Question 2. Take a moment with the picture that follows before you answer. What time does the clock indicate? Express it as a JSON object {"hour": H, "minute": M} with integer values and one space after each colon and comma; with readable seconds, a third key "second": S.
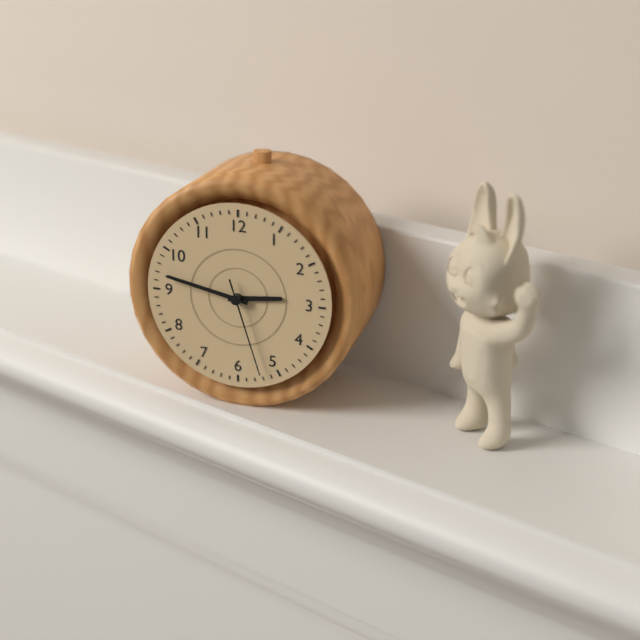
{"hour": 2, "minute": 47, "second": 27}
